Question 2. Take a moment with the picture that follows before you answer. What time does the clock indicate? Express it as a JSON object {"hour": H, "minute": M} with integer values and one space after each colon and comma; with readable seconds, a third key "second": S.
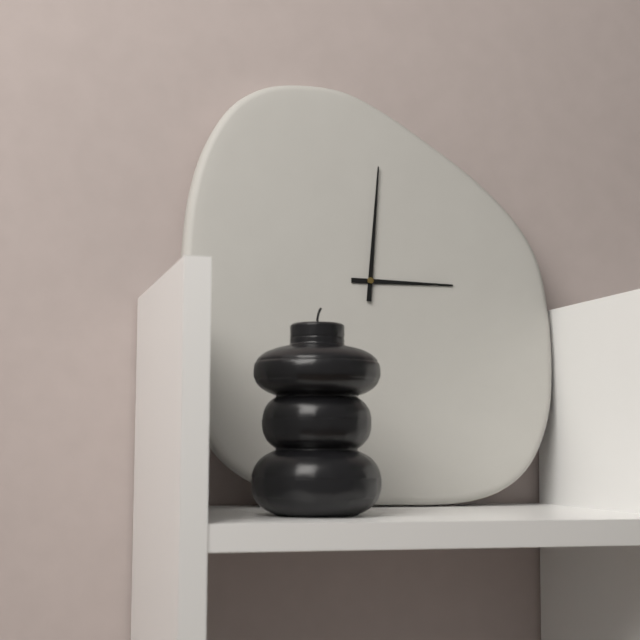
{"hour": 3, "minute": 1}
